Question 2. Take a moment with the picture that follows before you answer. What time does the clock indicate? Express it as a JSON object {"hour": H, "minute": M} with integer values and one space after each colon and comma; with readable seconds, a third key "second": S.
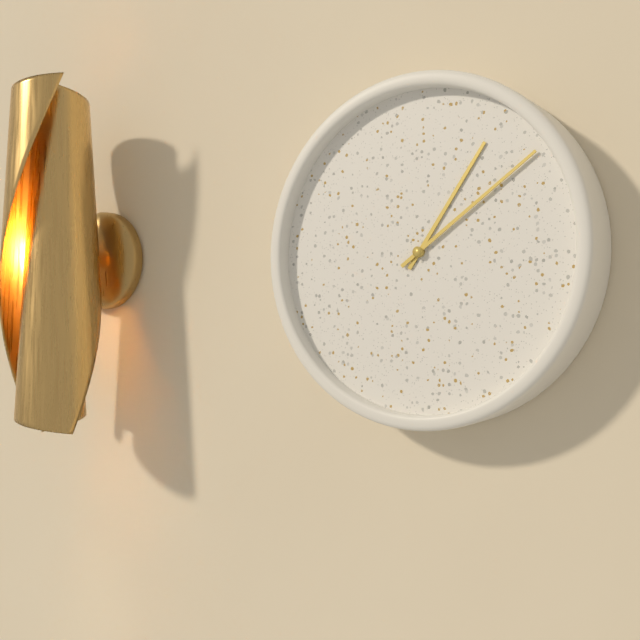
{"hour": 1, "minute": 9}
